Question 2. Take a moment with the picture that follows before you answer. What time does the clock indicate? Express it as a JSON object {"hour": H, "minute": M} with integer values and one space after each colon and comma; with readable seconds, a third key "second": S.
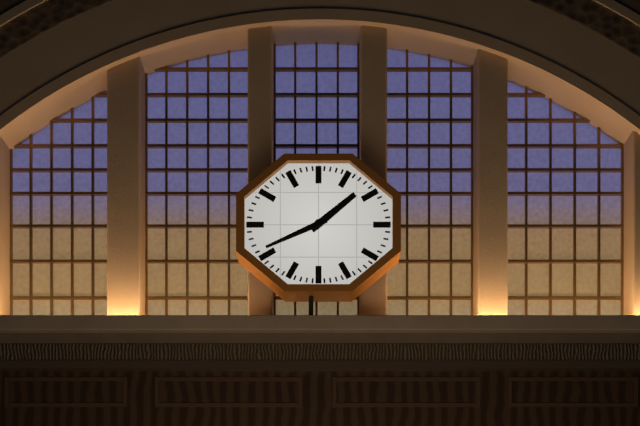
{"hour": 1, "minute": 41}
